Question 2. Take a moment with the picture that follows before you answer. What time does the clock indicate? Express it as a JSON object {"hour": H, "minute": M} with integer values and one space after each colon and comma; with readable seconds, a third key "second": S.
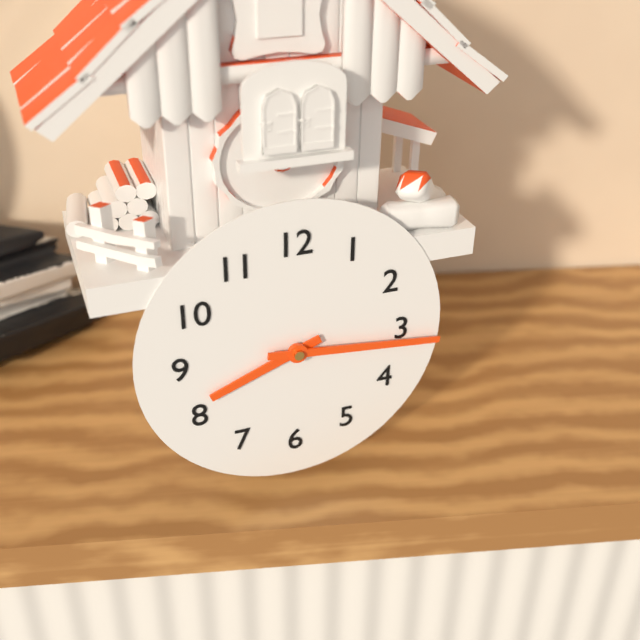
{"hour": 8, "minute": 16}
